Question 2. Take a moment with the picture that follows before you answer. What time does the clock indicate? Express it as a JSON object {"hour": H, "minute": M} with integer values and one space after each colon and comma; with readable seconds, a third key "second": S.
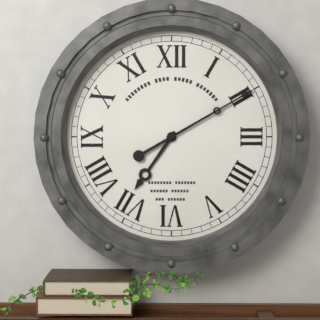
{"hour": 7, "minute": 10}
